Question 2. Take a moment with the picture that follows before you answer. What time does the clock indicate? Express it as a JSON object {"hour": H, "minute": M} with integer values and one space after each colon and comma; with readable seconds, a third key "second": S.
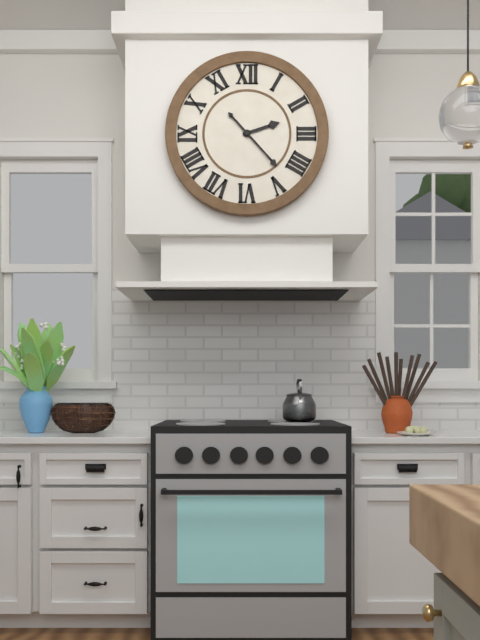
{"hour": 2, "minute": 23}
